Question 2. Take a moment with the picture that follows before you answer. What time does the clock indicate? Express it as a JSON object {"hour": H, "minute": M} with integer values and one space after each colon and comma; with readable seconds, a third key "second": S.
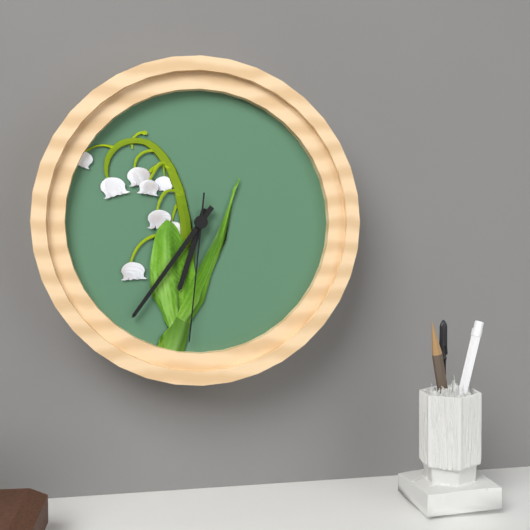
{"hour": 6, "minute": 36, "second": 31}
